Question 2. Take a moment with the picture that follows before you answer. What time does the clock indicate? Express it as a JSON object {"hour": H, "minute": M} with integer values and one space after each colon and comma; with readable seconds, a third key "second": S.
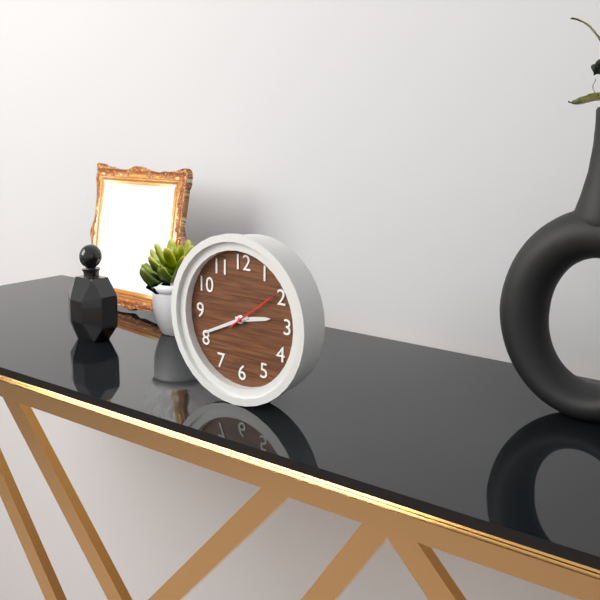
{"hour": 2, "minute": 41, "second": 9}
